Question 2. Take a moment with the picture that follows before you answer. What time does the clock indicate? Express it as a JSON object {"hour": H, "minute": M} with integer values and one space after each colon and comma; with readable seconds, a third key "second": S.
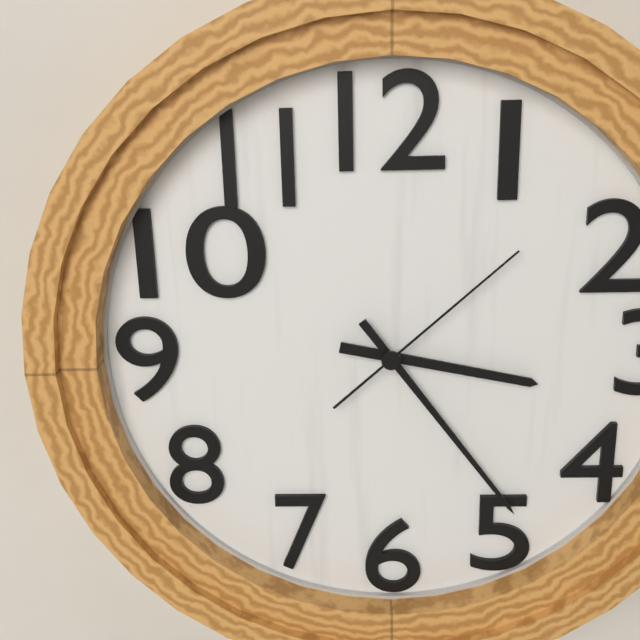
{"hour": 3, "minute": 24, "second": 8}
